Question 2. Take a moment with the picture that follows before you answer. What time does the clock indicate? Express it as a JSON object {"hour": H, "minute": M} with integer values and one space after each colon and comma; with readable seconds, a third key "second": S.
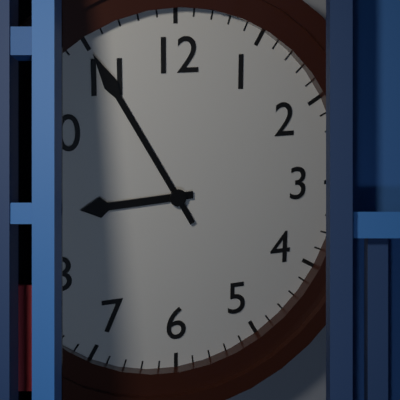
{"hour": 8, "minute": 55}
